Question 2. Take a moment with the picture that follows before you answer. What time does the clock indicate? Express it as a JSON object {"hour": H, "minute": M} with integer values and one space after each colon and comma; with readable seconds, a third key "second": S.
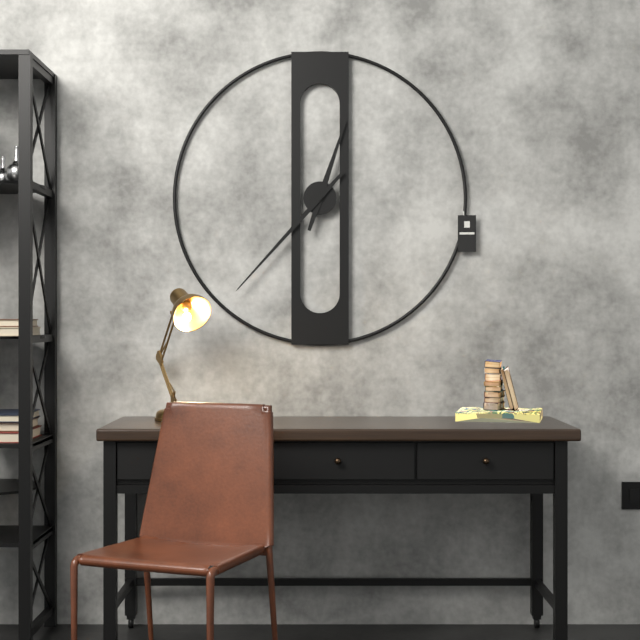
{"hour": 12, "minute": 37}
